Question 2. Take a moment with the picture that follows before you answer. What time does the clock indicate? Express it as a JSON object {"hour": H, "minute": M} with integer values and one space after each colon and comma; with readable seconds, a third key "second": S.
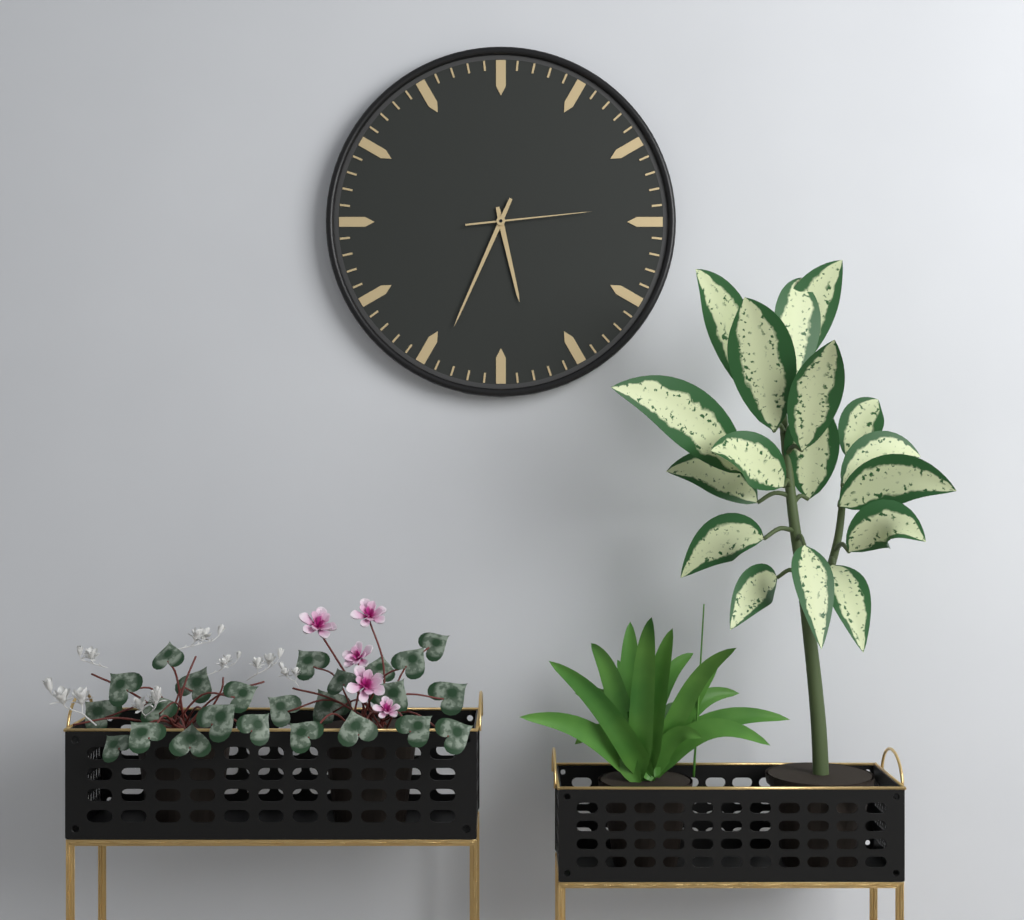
{"hour": 5, "minute": 34, "second": 14}
